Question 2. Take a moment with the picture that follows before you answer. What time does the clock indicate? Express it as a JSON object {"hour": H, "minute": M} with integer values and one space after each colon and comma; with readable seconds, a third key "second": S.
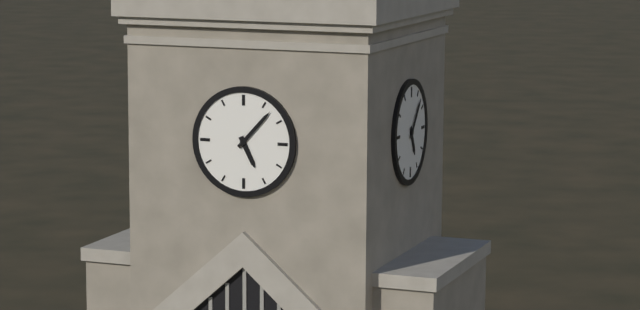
{"hour": 5, "minute": 7}
